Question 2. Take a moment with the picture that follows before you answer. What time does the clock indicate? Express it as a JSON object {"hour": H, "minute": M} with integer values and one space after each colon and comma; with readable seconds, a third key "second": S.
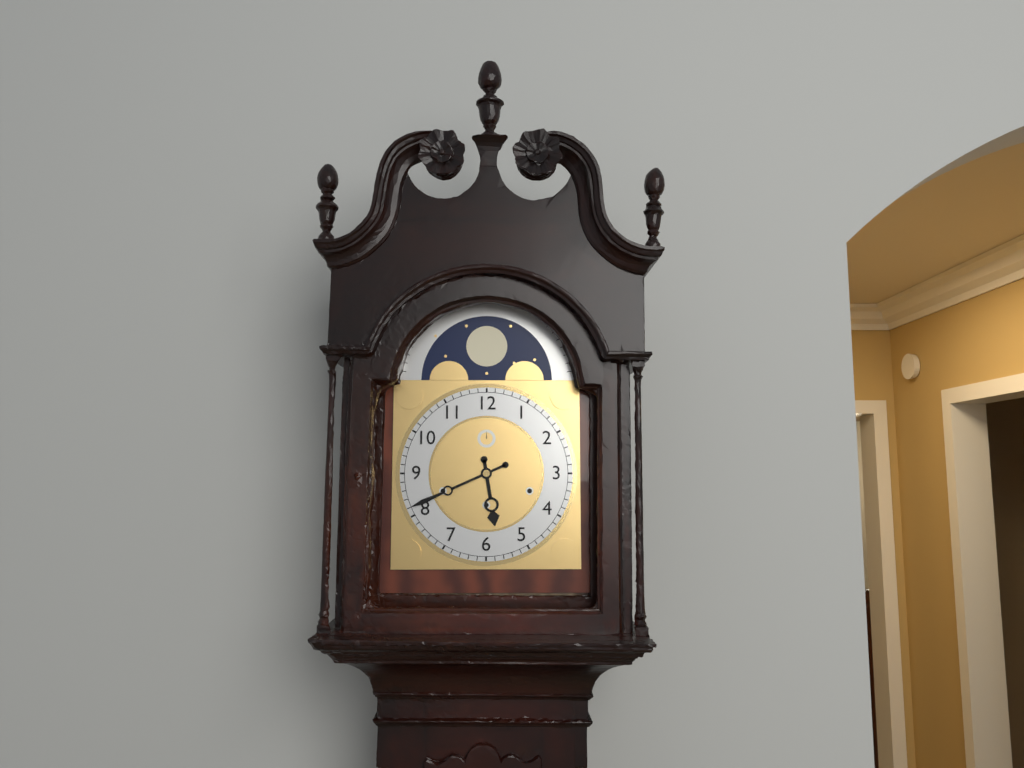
{"hour": 5, "minute": 41}
